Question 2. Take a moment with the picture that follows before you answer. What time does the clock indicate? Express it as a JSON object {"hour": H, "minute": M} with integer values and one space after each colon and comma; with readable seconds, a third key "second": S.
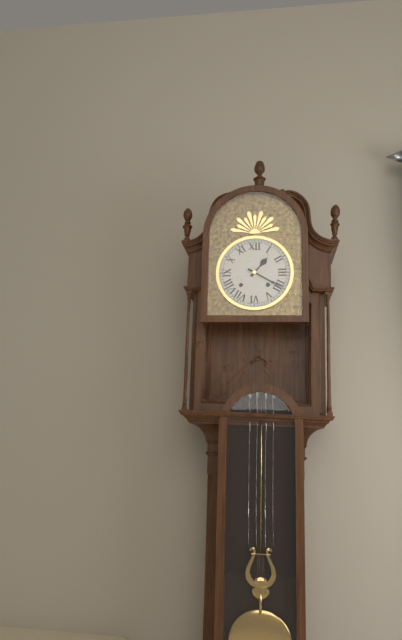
{"hour": 1, "minute": 20}
